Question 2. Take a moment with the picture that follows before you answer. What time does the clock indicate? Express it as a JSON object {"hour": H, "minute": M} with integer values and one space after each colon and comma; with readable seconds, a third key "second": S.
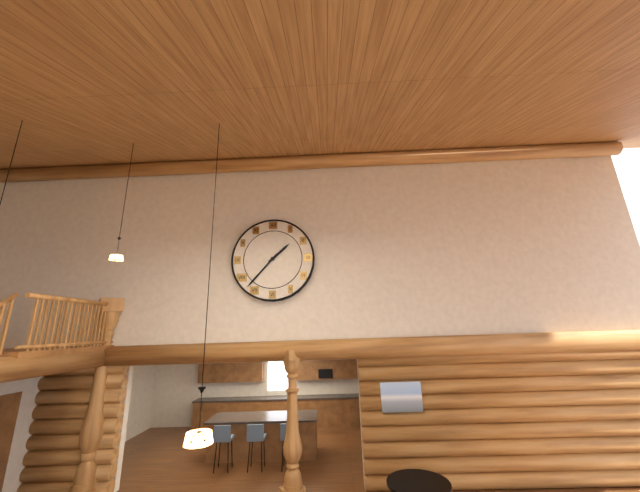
{"hour": 1, "minute": 37}
